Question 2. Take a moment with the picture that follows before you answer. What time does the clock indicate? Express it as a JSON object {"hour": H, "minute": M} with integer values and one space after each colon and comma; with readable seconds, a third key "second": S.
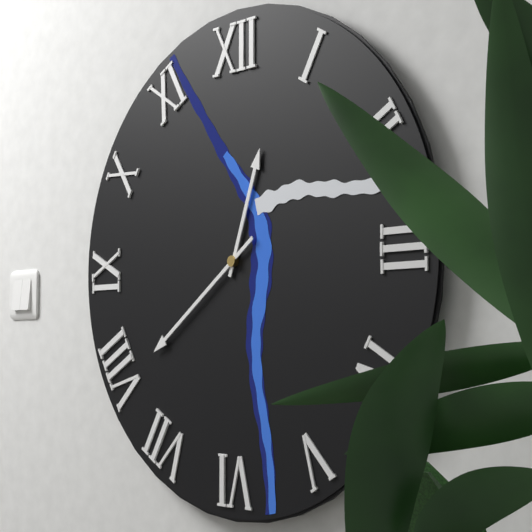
{"hour": 12, "minute": 39}
